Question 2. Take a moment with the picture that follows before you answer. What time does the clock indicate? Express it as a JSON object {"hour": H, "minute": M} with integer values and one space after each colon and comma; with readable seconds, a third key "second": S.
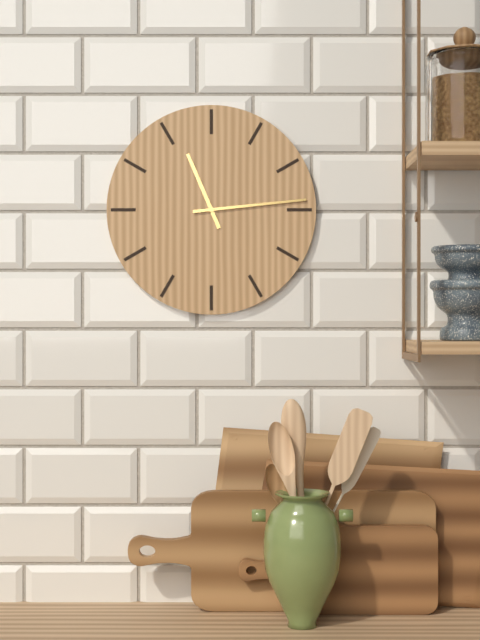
{"hour": 11, "minute": 14}
